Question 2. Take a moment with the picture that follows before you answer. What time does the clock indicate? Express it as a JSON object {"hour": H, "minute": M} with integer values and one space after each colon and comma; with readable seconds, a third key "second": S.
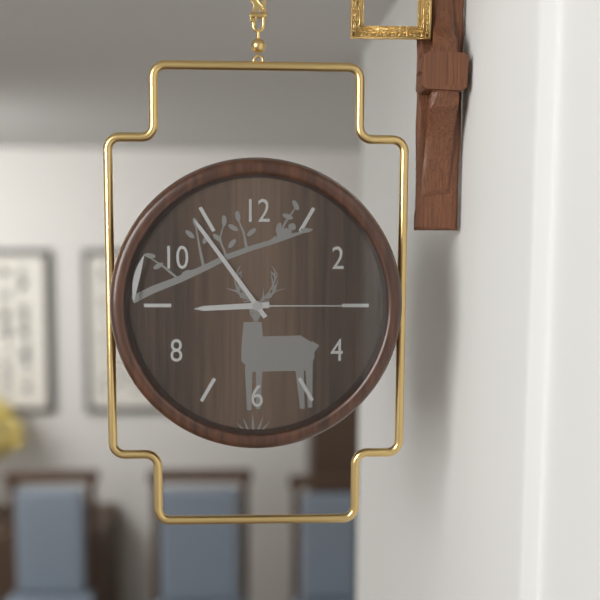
{"hour": 8, "minute": 54, "second": 15}
